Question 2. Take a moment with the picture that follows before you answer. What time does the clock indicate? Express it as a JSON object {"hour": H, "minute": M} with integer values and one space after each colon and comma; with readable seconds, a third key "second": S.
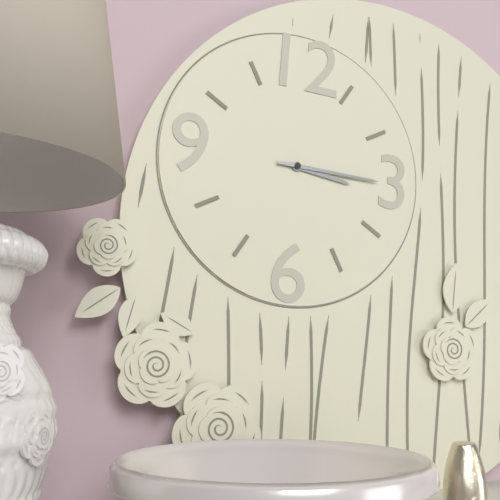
{"hour": 3, "minute": 15}
